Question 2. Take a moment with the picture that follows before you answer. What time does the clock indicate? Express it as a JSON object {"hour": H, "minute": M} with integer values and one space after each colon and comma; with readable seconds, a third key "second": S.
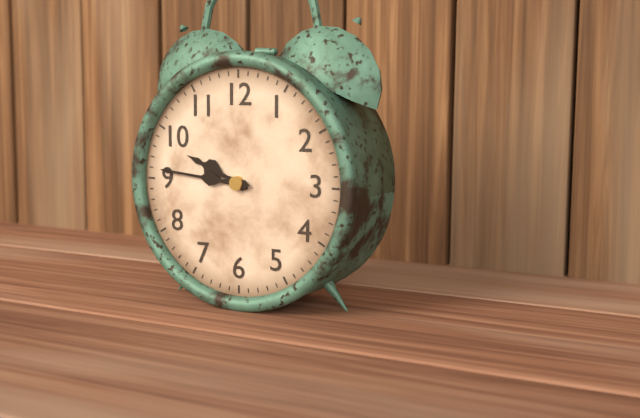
{"hour": 9, "minute": 46}
